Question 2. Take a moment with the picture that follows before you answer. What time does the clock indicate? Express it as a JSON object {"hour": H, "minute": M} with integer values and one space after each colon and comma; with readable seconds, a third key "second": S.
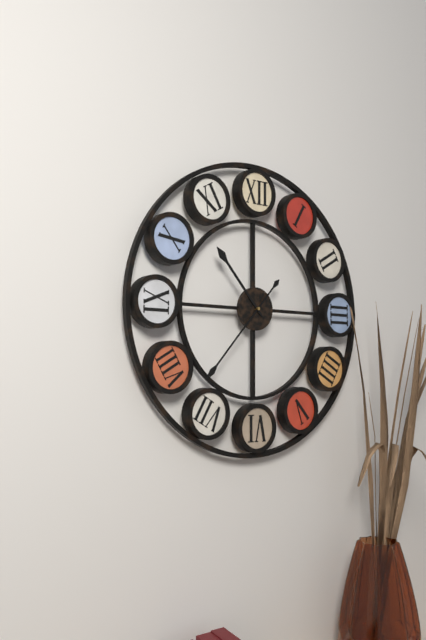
{"hour": 10, "minute": 37}
